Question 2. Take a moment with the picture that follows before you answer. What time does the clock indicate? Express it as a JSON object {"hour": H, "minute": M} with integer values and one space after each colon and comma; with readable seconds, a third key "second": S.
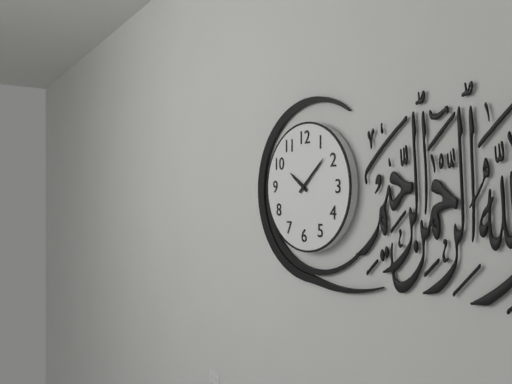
{"hour": 10, "minute": 8}
